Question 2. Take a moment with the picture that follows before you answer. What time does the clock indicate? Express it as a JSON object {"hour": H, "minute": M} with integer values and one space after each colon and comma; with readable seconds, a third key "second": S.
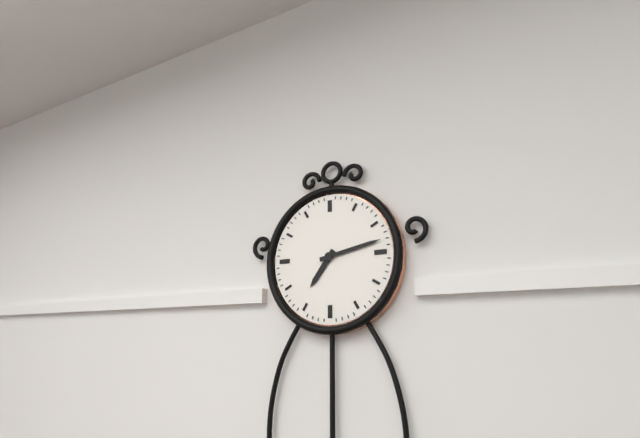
{"hour": 7, "minute": 13}
